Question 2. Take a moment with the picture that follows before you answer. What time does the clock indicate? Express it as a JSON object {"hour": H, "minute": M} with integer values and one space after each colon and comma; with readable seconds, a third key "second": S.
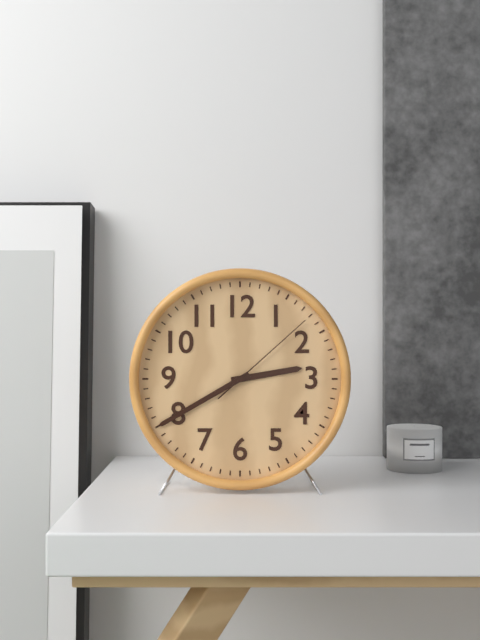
{"hour": 2, "minute": 40, "second": 8}
